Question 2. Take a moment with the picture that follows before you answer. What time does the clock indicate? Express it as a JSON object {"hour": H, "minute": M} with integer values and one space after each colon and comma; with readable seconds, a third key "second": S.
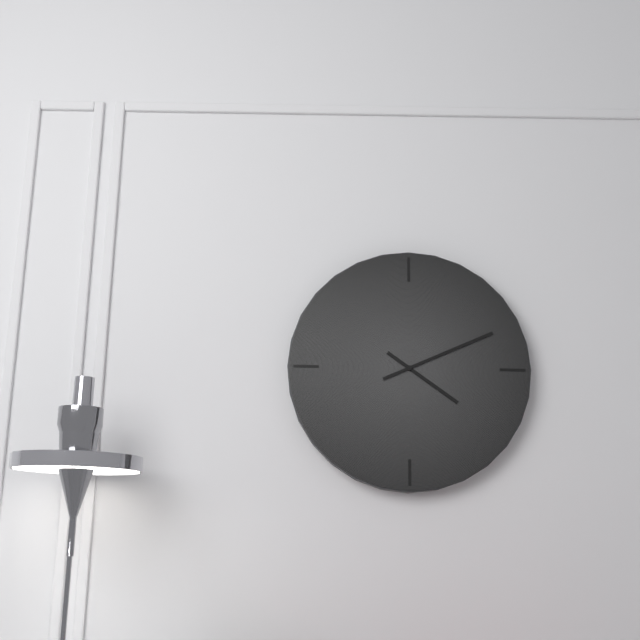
{"hour": 4, "minute": 11}
